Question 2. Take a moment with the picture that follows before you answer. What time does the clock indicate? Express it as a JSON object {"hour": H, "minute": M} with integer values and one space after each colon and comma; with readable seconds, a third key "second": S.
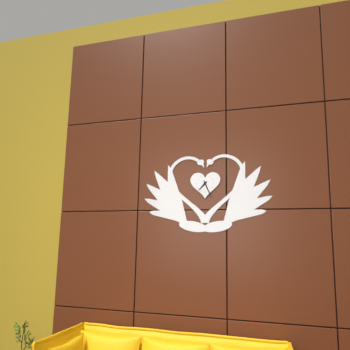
{"hour": 7, "minute": 26}
